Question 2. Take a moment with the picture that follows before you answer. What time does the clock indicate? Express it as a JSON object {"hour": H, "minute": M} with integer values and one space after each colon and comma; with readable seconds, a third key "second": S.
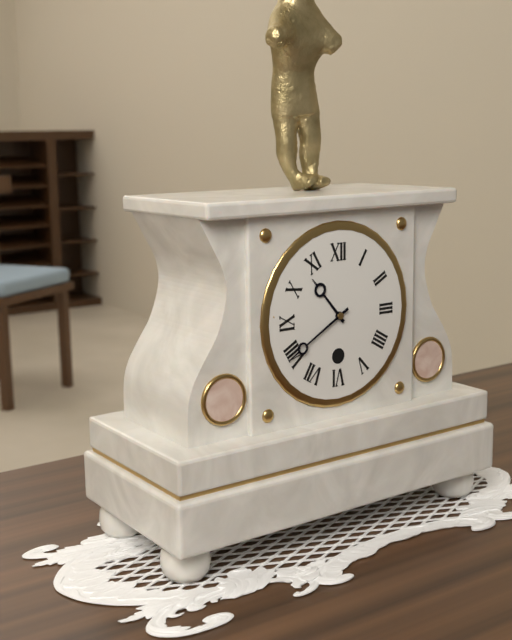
{"hour": 10, "minute": 40}
